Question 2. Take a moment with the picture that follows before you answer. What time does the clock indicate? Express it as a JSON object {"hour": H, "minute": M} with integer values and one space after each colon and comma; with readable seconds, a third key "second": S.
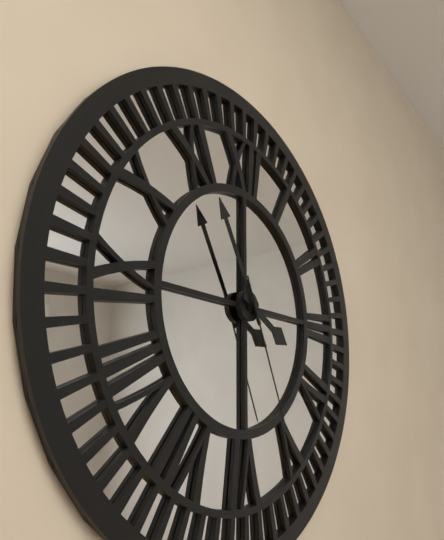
{"hour": 3, "minute": 55, "second": 26}
